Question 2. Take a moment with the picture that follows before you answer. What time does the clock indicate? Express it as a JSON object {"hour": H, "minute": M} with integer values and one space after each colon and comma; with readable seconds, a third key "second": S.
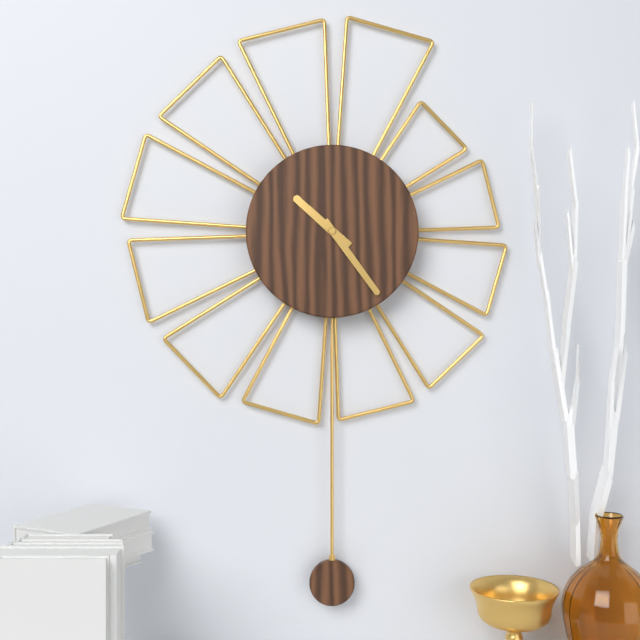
{"hour": 10, "minute": 24}
